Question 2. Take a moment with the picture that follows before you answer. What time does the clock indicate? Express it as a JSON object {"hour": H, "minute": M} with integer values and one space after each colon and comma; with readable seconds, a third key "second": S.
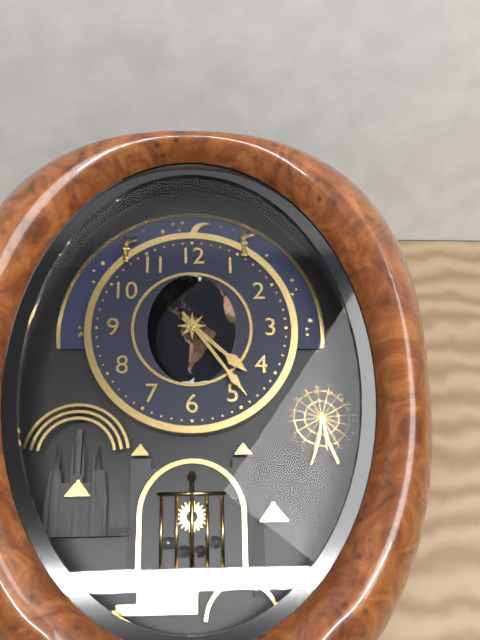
{"hour": 4, "minute": 24}
